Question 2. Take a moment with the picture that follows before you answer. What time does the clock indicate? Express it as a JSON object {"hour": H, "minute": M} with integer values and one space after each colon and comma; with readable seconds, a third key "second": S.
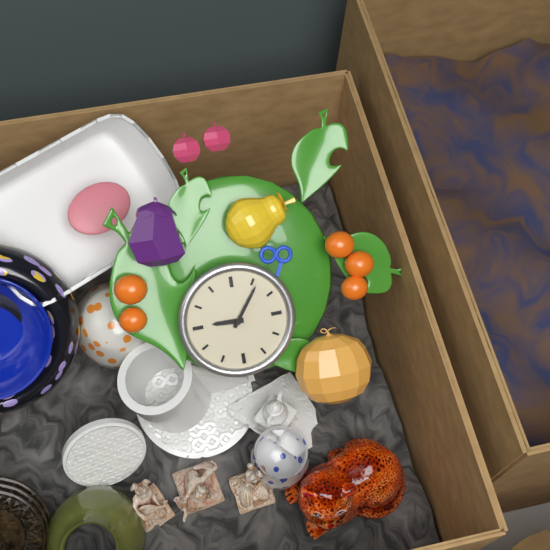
{"hour": 9, "minute": 6}
